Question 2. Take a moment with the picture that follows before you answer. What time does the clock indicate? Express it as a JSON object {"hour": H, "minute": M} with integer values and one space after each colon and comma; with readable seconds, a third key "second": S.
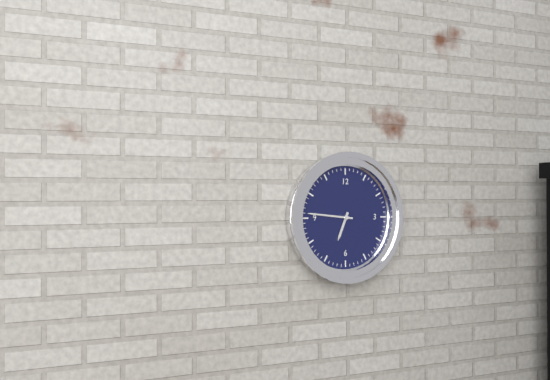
{"hour": 6, "minute": 46}
